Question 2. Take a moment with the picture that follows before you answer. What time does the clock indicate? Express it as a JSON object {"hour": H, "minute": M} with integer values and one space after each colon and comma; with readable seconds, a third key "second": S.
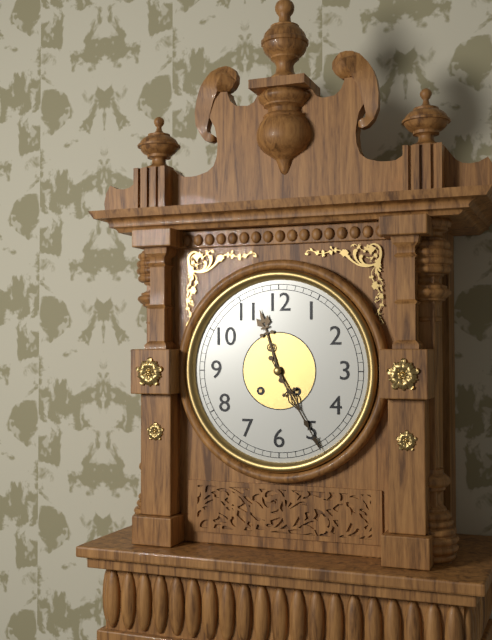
{"hour": 11, "minute": 25}
